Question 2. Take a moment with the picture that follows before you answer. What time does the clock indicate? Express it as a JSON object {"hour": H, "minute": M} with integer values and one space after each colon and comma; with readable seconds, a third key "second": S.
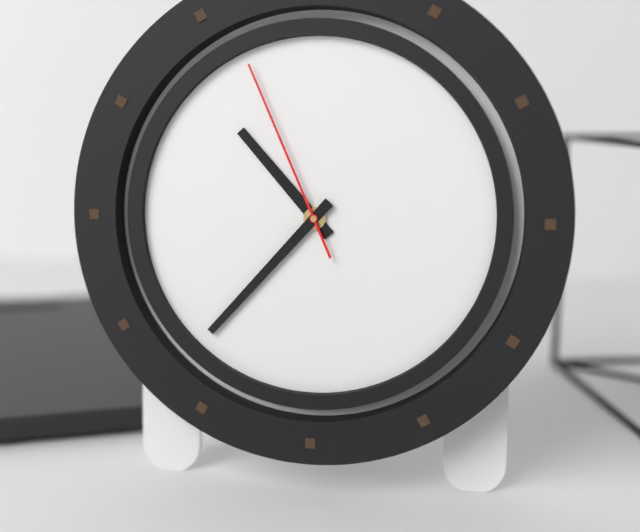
{"hour": 10, "minute": 37, "second": 56}
